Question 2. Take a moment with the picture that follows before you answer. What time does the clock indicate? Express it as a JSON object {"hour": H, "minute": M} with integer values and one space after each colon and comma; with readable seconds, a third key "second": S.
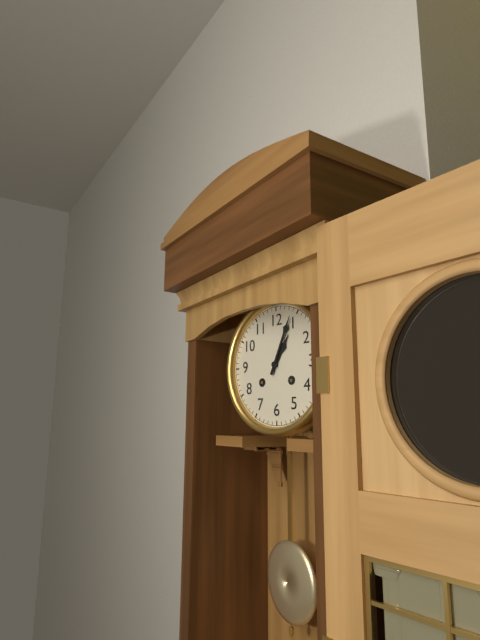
{"hour": 1, "minute": 4}
